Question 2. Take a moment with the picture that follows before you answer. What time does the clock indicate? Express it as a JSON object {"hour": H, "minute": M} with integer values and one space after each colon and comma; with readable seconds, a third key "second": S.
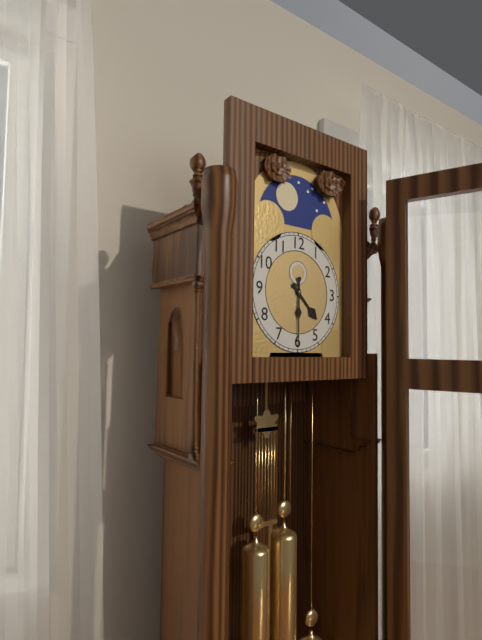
{"hour": 4, "minute": 30}
